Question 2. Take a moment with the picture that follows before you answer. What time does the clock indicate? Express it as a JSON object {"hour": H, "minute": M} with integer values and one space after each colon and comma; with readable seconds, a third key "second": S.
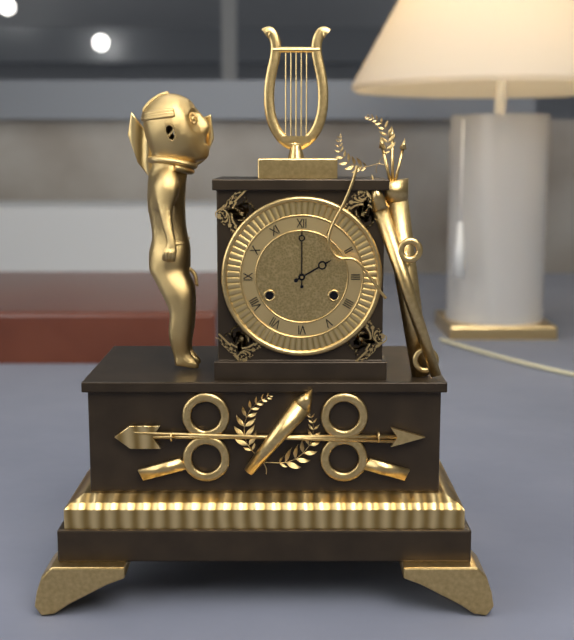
{"hour": 2, "minute": 0}
